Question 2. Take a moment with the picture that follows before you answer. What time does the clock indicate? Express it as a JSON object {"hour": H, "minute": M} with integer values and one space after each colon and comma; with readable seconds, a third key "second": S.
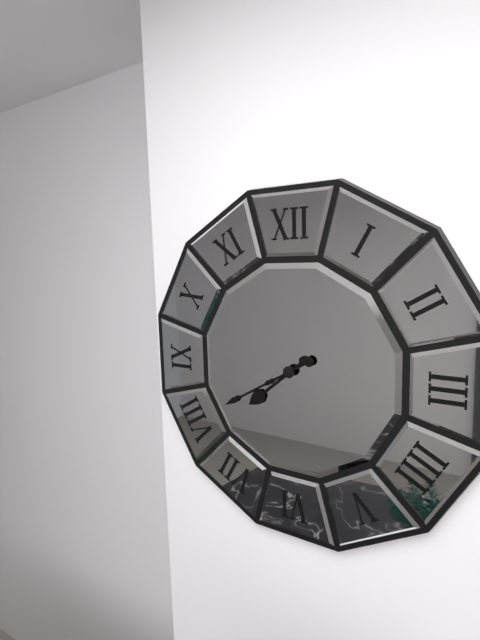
{"hour": 7, "minute": 40}
